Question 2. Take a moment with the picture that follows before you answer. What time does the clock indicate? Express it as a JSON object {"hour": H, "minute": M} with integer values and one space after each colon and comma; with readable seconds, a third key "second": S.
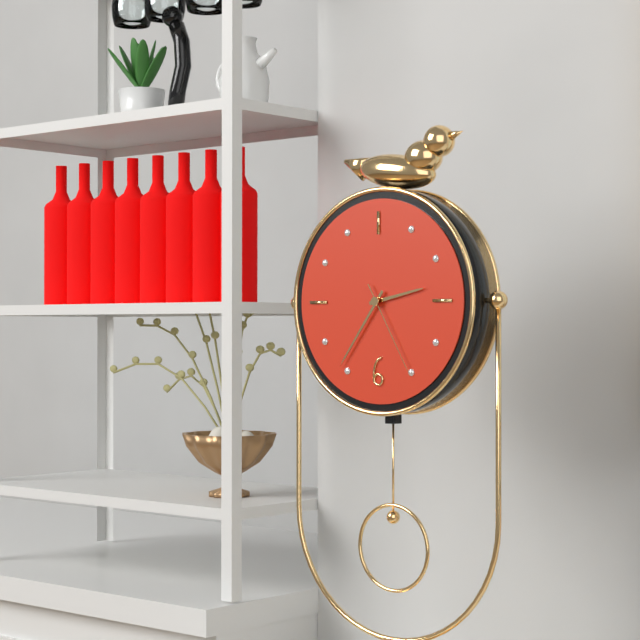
{"hour": 2, "minute": 36, "second": 25}
